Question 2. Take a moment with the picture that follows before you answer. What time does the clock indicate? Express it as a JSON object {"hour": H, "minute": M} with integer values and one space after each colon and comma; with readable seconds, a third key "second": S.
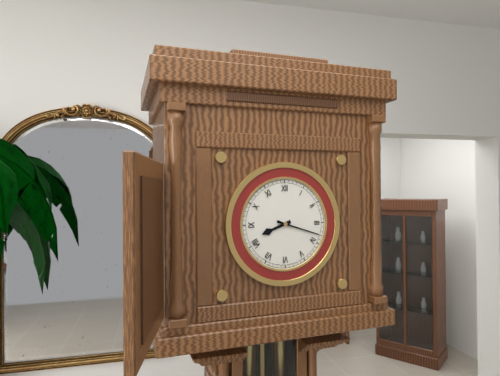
{"hour": 8, "minute": 18}
